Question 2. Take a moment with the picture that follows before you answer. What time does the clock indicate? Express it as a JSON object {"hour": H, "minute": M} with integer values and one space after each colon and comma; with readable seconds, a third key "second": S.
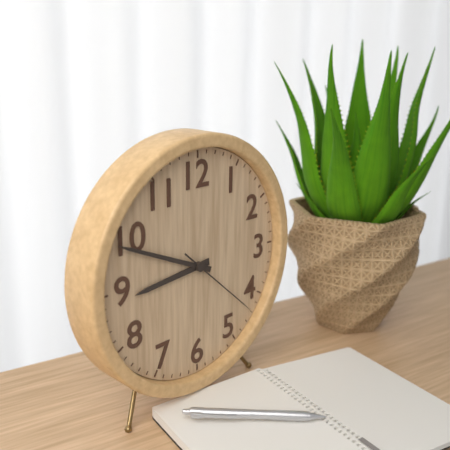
{"hour": 8, "minute": 49, "second": 22}
